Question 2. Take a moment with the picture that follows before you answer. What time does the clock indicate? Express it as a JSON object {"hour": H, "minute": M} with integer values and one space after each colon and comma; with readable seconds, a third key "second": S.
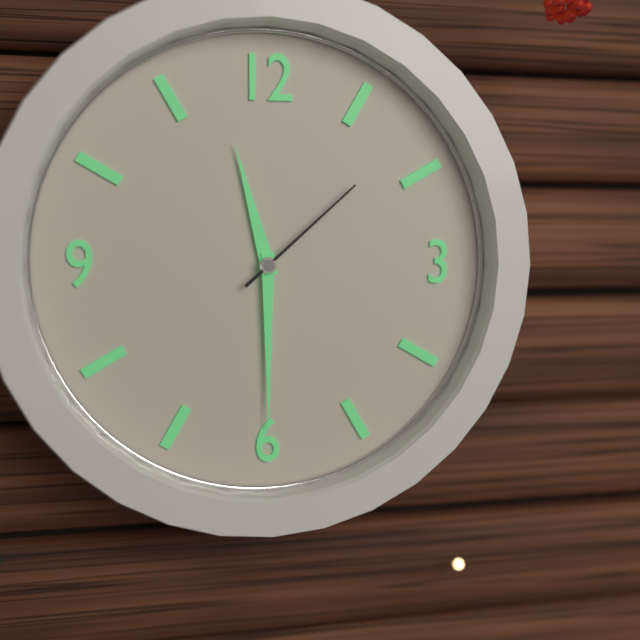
{"hour": 11, "minute": 30, "second": 8}
